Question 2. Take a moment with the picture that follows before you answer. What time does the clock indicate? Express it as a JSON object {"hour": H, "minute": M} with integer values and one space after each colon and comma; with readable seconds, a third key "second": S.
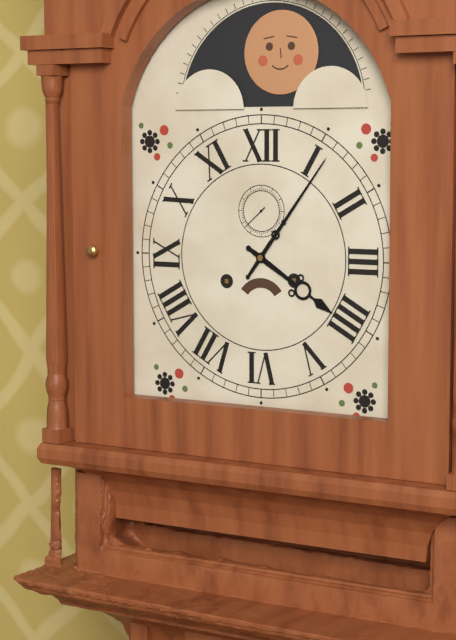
{"hour": 4, "minute": 6}
